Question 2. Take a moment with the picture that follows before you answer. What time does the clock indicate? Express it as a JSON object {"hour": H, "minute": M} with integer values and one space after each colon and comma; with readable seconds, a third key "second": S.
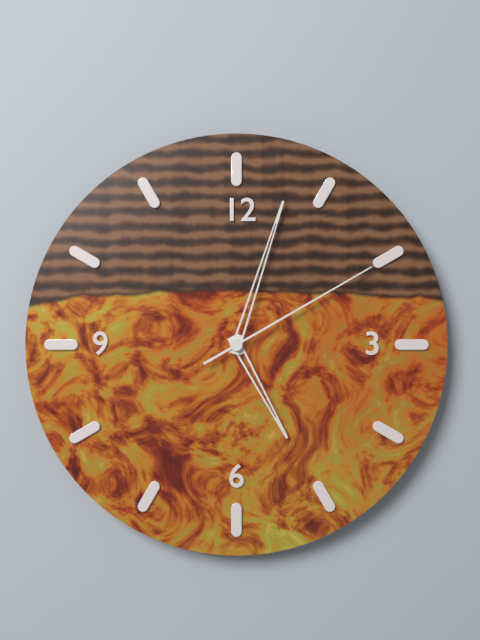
{"hour": 5, "minute": 3, "second": 10}
